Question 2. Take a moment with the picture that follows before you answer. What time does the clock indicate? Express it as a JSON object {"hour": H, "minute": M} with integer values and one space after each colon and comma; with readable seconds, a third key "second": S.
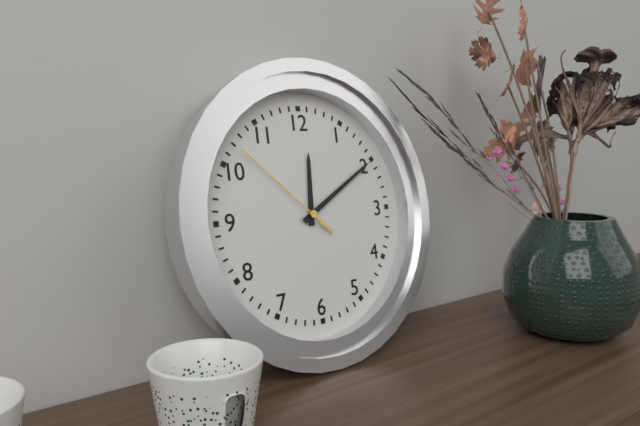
{"hour": 12, "minute": 10, "second": 52}
